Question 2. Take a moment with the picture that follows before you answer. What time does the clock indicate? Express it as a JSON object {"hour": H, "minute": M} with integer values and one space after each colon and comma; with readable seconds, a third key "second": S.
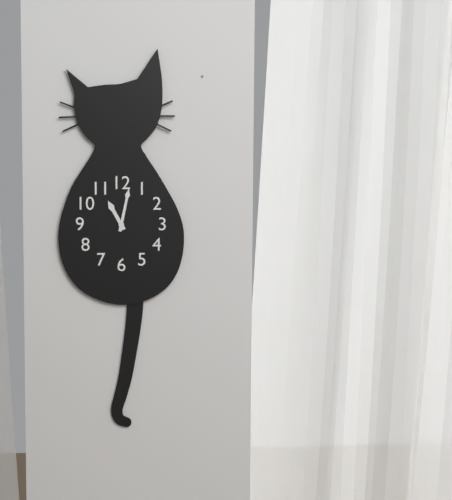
{"hour": 11, "minute": 2}
